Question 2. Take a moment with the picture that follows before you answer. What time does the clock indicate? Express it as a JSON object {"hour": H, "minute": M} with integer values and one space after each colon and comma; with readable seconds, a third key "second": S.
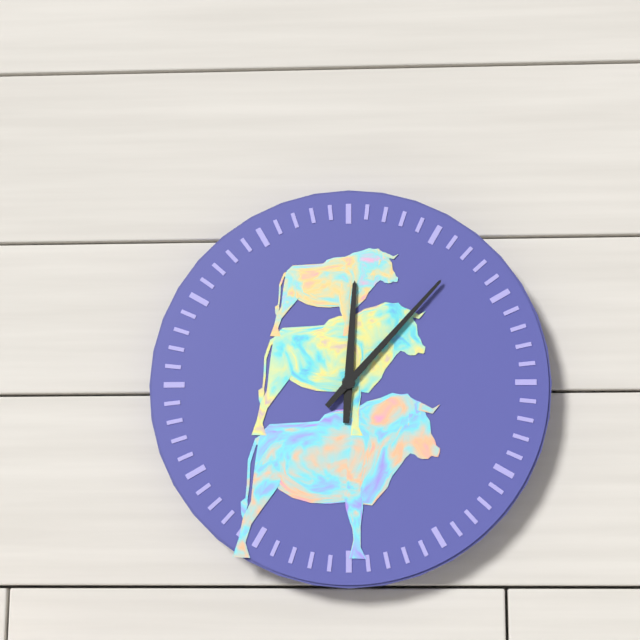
{"hour": 12, "minute": 7}
